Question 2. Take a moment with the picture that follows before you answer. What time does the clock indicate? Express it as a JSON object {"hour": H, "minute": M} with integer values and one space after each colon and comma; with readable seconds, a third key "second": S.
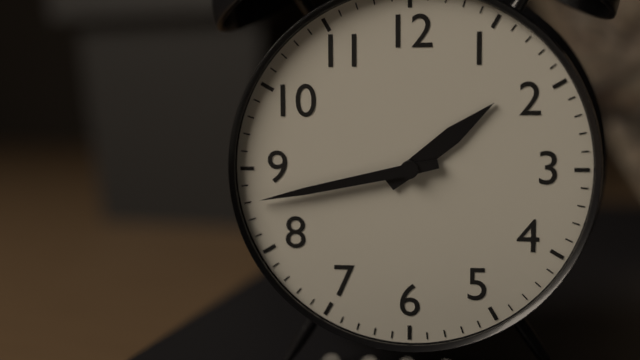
{"hour": 1, "minute": 43}
